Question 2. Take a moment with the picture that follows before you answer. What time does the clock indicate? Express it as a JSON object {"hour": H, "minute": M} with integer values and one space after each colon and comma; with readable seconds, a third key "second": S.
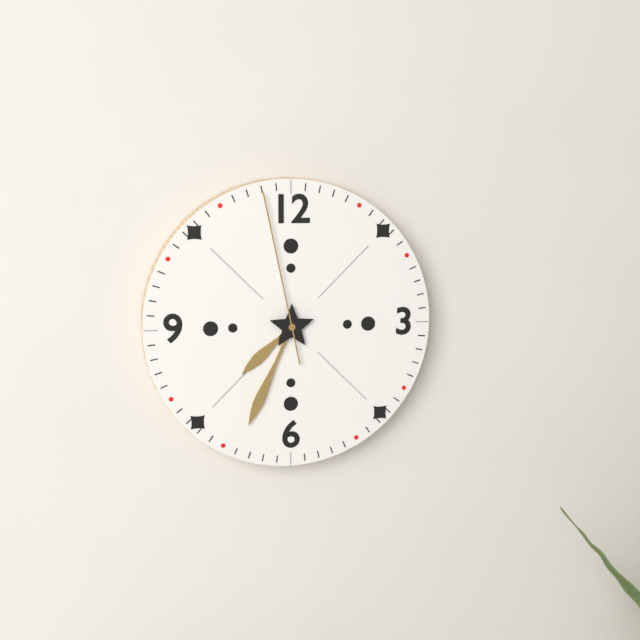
{"hour": 7, "minute": 34, "second": 58}
